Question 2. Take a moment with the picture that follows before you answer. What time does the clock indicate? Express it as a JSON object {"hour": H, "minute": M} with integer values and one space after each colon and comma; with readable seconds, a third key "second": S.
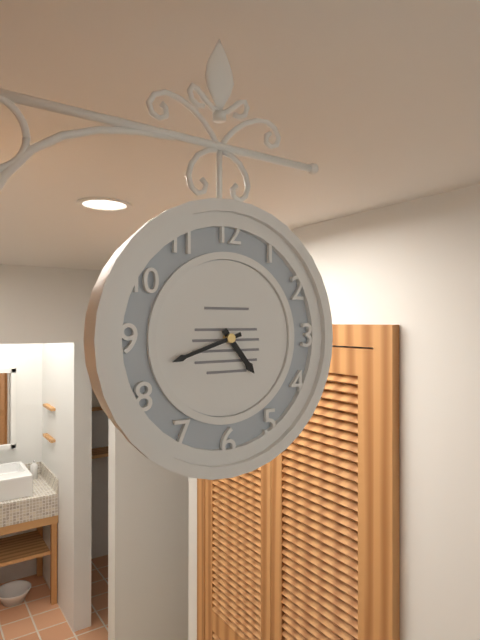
{"hour": 4, "minute": 42}
